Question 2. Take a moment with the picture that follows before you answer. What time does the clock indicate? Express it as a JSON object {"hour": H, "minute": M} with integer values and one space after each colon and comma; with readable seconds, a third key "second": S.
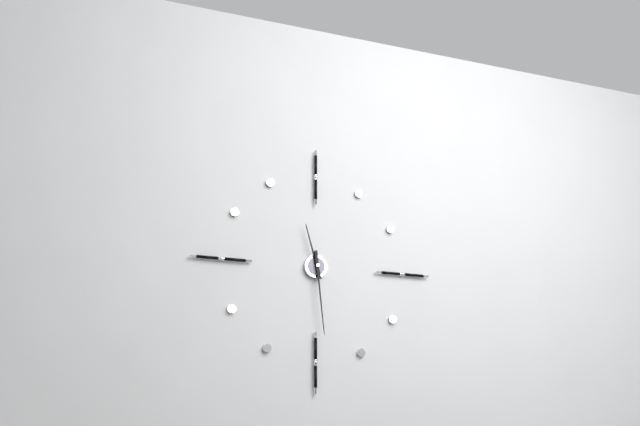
{"hour": 11, "minute": 29}
